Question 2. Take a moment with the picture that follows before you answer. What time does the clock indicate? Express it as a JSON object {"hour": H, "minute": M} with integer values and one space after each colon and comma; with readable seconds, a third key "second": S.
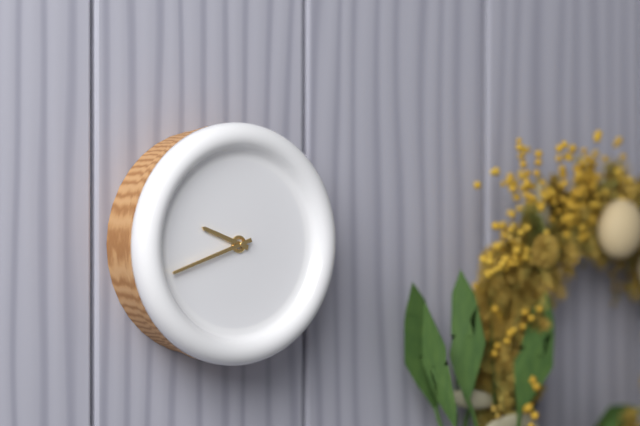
{"hour": 9, "minute": 42}
